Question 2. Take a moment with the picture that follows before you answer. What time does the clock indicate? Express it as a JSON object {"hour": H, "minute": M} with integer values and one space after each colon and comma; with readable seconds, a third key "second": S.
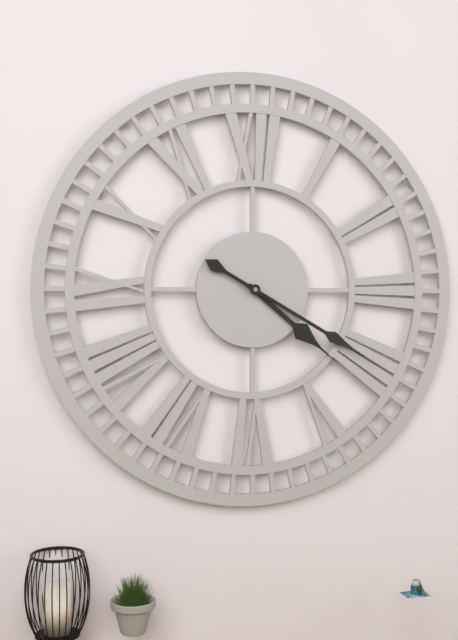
{"hour": 4, "minute": 20}
